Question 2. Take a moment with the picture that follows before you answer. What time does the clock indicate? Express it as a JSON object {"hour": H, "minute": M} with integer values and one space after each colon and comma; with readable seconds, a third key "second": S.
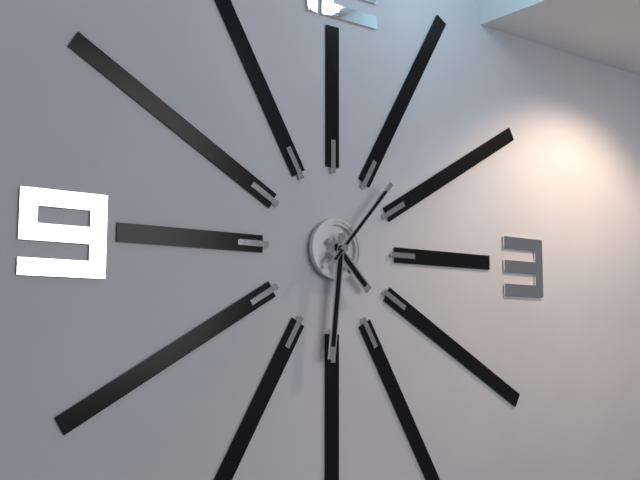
{"hour": 4, "minute": 31, "second": 7}
